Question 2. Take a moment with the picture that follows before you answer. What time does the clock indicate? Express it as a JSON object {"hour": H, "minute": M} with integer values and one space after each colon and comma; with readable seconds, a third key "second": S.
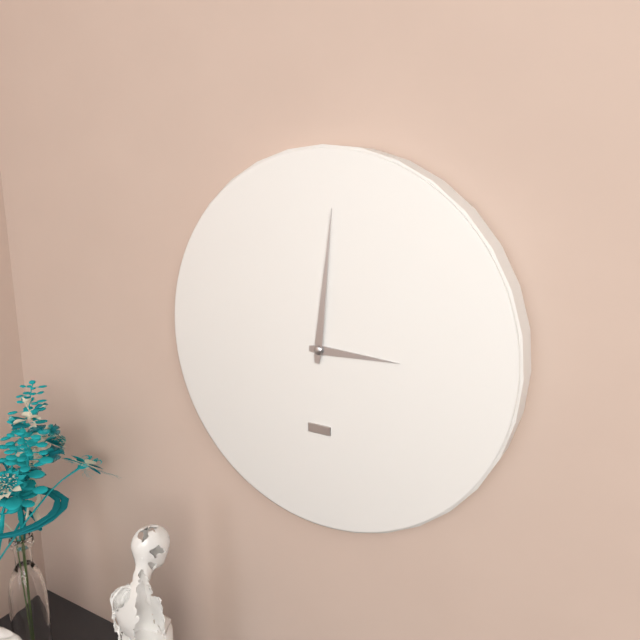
{"hour": 3, "minute": 1}
